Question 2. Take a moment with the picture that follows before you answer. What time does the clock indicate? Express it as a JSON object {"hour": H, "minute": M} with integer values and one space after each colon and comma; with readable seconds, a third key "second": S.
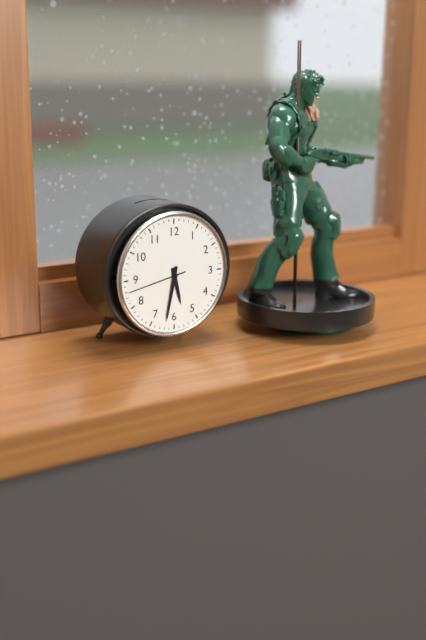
{"hour": 5, "minute": 32, "second": 43}
